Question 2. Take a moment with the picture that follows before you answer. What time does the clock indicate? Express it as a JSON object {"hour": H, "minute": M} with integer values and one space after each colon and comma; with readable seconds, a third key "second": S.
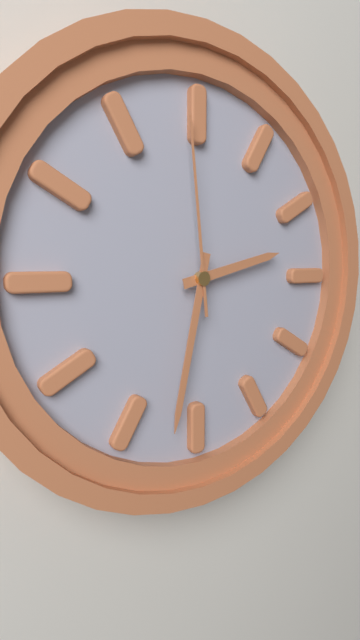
{"hour": 2, "minute": 32, "second": 59}
